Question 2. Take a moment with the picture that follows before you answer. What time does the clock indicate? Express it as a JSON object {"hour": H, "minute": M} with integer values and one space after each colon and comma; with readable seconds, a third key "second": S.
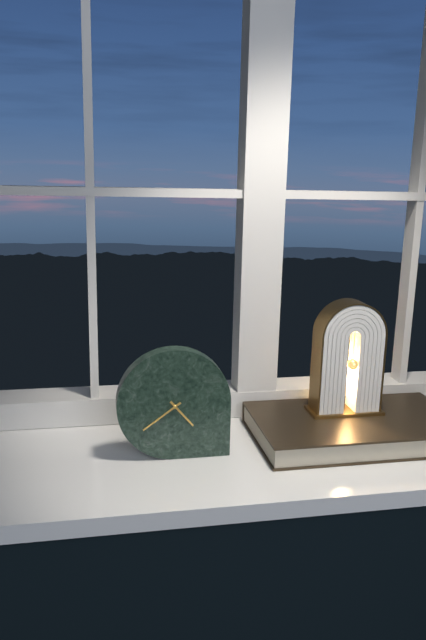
{"hour": 4, "minute": 39}
